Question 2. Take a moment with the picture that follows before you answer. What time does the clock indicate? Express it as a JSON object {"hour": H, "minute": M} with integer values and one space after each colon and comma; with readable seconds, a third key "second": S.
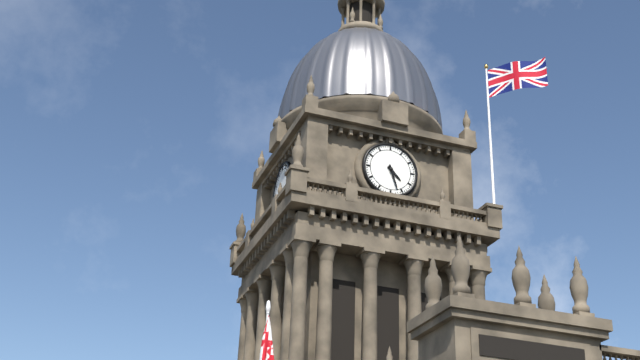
{"hour": 4, "minute": 27}
